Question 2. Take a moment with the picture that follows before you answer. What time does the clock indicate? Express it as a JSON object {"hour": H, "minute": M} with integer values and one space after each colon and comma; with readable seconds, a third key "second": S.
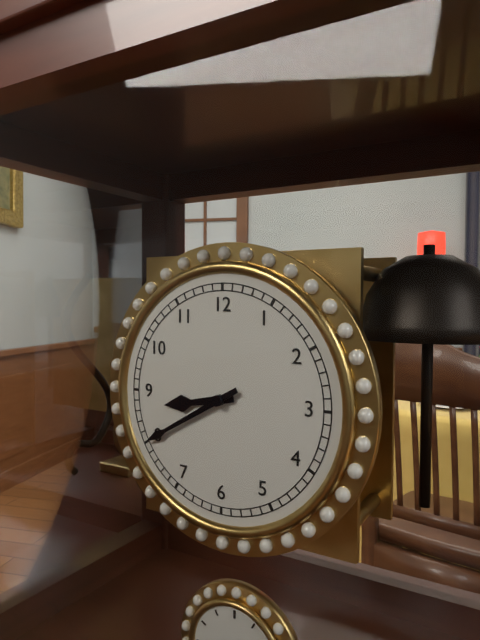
{"hour": 8, "minute": 40}
